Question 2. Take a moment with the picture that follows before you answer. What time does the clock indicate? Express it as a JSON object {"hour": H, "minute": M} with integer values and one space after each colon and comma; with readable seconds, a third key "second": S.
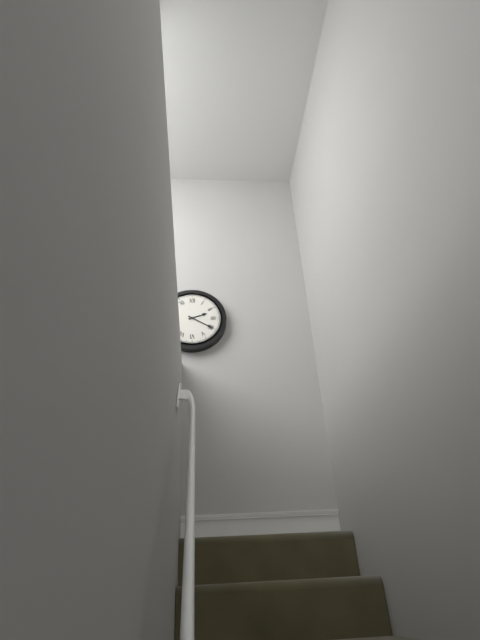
{"hour": 2, "minute": 20}
